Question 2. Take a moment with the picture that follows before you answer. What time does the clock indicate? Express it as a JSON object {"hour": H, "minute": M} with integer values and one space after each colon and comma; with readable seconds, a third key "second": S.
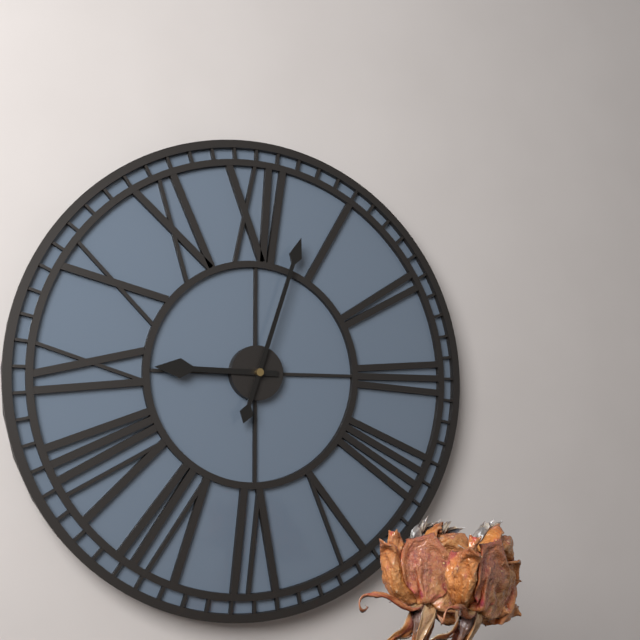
{"hour": 9, "minute": 3}
